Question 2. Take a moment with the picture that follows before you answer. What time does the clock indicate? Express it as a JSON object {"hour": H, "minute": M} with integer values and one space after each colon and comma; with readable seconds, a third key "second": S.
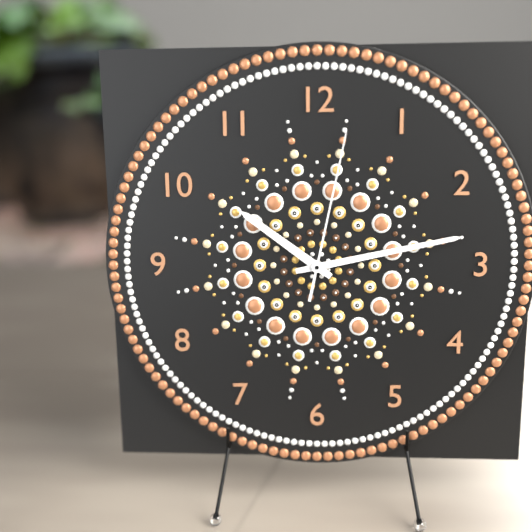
{"hour": 10, "minute": 13, "second": 2}
